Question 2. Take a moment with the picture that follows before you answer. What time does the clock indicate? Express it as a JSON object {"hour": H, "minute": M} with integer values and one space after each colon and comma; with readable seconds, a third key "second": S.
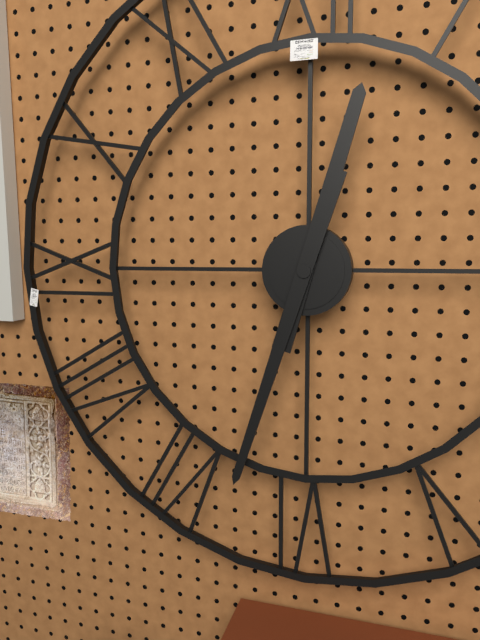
{"hour": 12, "minute": 33}
